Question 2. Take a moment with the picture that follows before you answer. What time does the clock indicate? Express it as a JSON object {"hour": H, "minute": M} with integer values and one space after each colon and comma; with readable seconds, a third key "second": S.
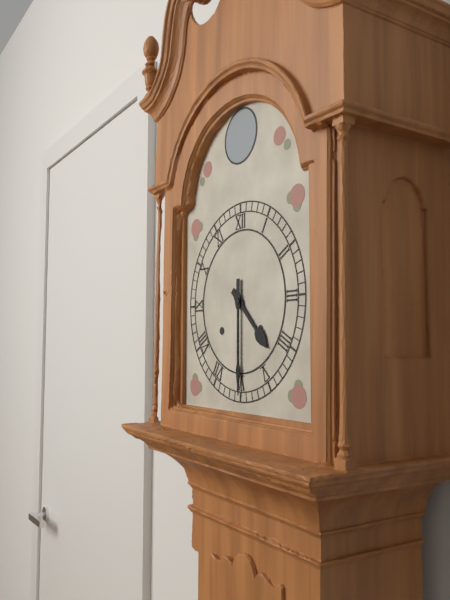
{"hour": 4, "minute": 30}
